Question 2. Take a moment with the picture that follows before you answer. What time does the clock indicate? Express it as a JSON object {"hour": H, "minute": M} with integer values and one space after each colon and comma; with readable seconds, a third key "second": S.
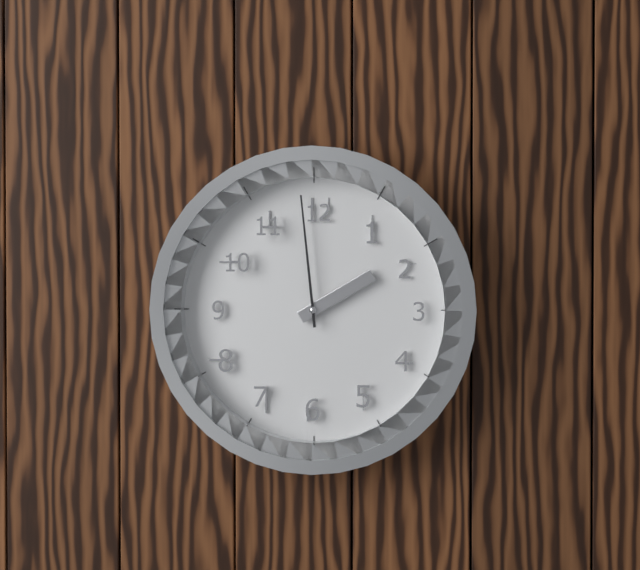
{"hour": 1, "minute": 59}
